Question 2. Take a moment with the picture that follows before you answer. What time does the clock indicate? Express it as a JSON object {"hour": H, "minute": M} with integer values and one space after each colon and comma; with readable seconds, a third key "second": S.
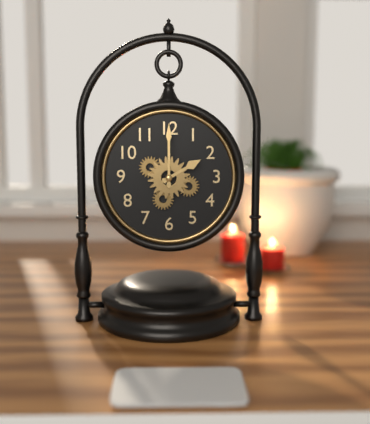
{"hour": 2, "minute": 0}
